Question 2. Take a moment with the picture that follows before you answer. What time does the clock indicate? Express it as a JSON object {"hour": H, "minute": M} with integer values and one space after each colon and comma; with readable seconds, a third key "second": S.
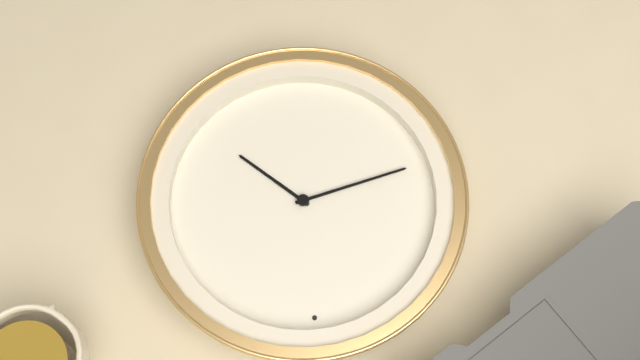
{"hour": 3, "minute": 39}
